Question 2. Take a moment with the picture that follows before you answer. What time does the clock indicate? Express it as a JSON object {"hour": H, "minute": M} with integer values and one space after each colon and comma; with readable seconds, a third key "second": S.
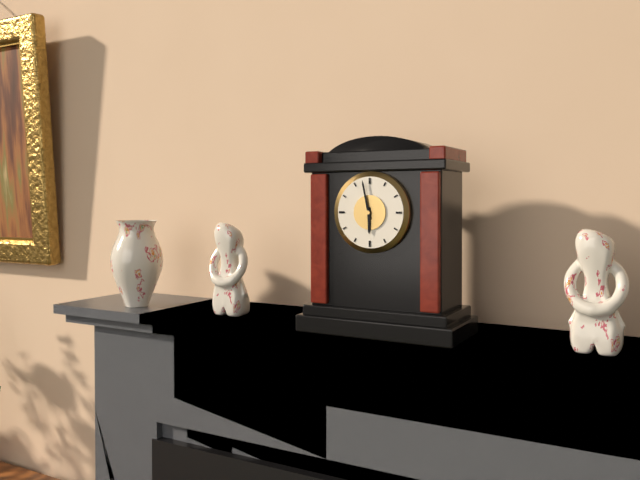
{"hour": 5, "minute": 58}
